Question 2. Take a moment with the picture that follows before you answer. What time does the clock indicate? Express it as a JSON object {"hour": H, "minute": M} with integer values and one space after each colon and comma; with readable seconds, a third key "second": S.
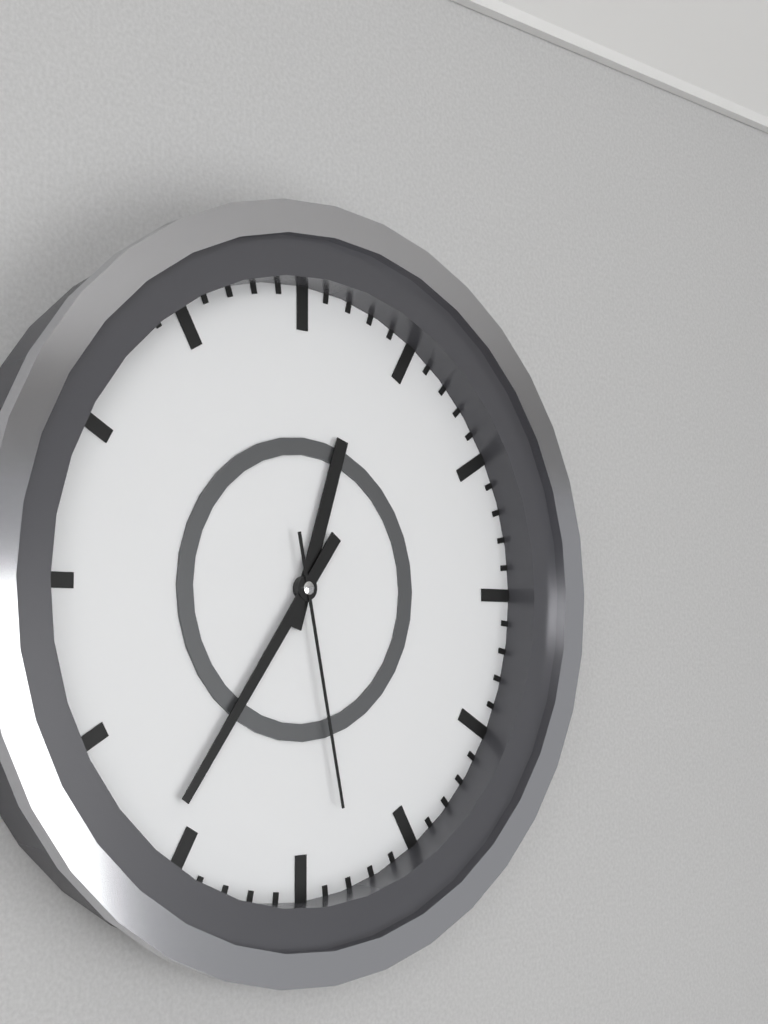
{"hour": 12, "minute": 36, "second": 28}
